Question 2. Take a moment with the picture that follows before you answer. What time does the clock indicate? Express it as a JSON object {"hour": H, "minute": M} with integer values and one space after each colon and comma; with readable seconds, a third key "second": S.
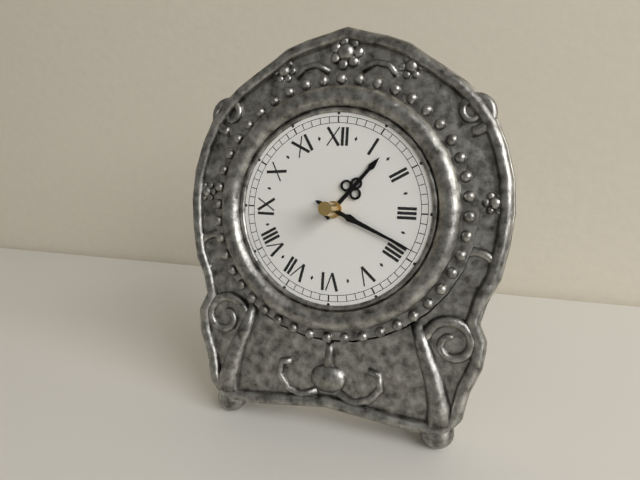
{"hour": 1, "minute": 19}
